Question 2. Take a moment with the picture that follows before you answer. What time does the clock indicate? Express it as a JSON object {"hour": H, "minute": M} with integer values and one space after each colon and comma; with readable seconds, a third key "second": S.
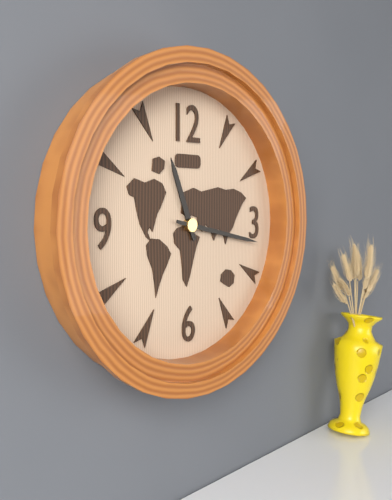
{"hour": 11, "minute": 17}
